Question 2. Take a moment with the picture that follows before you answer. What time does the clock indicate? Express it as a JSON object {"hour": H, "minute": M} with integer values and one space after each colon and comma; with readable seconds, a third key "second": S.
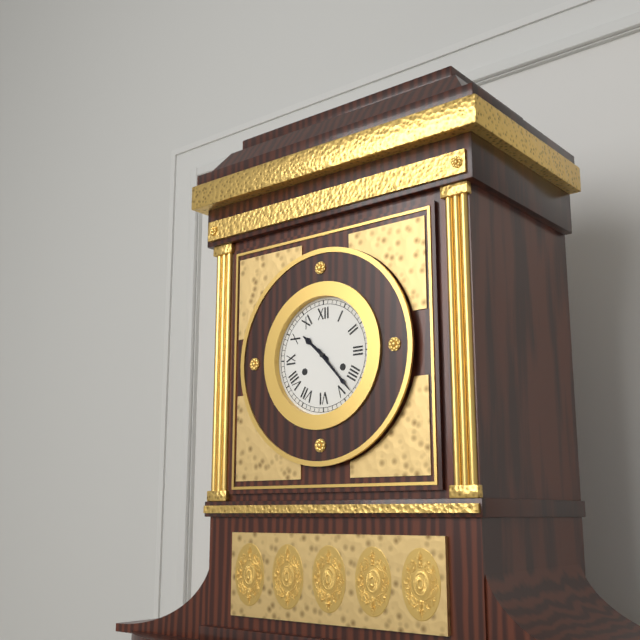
{"hour": 10, "minute": 23}
